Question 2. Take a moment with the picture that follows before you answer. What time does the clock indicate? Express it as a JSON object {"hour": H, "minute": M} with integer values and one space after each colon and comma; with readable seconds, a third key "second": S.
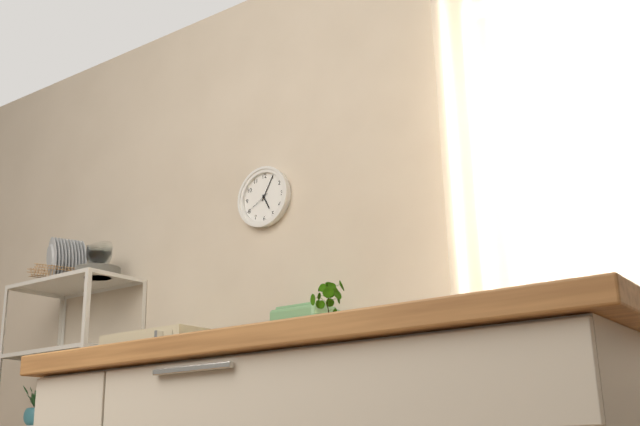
{"hour": 5, "minute": 5}
